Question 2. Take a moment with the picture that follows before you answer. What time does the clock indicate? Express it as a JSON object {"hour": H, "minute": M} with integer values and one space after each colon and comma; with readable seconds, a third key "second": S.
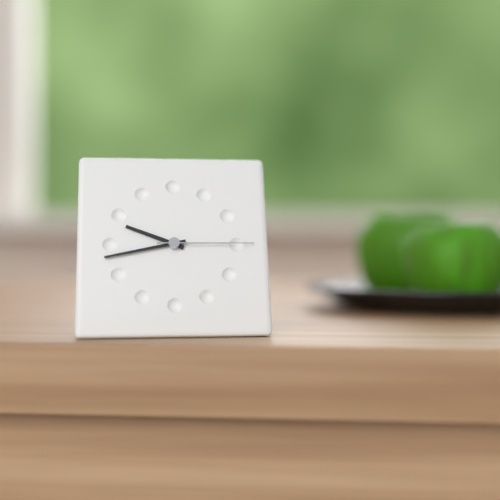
{"hour": 9, "minute": 43, "second": 15}
